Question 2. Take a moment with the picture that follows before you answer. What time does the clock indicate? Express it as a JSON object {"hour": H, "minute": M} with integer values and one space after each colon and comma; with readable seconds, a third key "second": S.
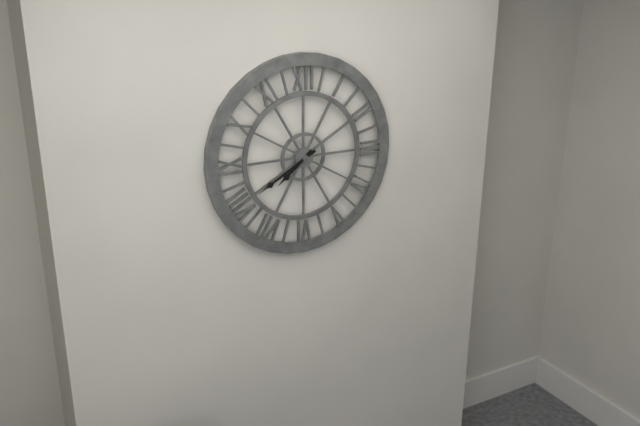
{"hour": 7, "minute": 40}
